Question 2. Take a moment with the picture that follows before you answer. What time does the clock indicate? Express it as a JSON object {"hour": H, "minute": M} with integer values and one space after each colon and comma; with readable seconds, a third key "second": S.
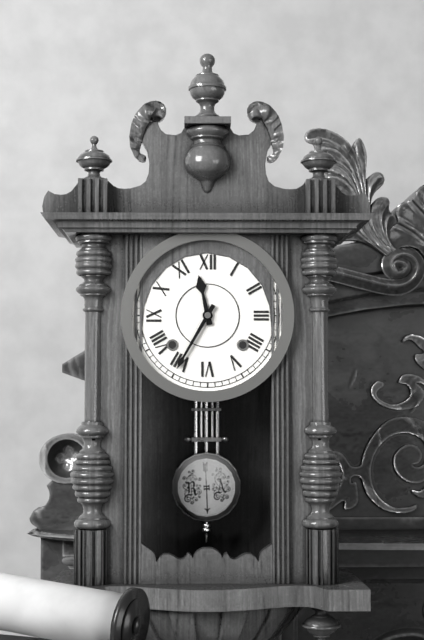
{"hour": 11, "minute": 35}
